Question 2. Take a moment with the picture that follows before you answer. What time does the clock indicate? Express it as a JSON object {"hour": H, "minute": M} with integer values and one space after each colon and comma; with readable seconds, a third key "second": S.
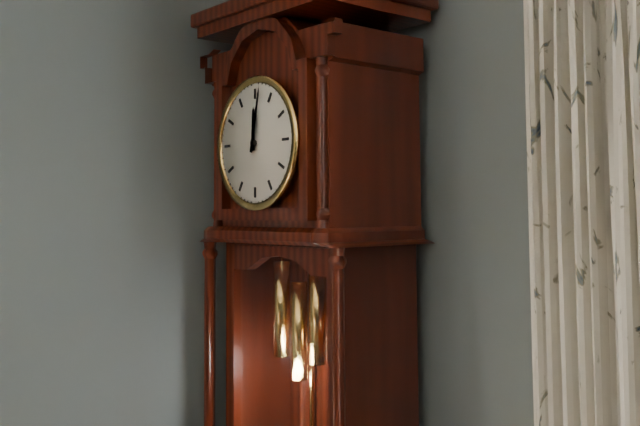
{"hour": 12, "minute": 2}
